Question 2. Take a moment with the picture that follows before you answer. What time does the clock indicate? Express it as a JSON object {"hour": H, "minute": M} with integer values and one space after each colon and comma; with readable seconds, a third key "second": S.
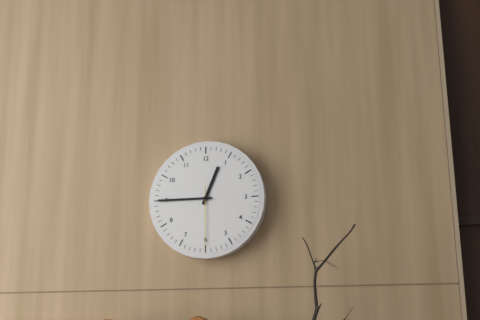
{"hour": 12, "minute": 45, "second": 30}
